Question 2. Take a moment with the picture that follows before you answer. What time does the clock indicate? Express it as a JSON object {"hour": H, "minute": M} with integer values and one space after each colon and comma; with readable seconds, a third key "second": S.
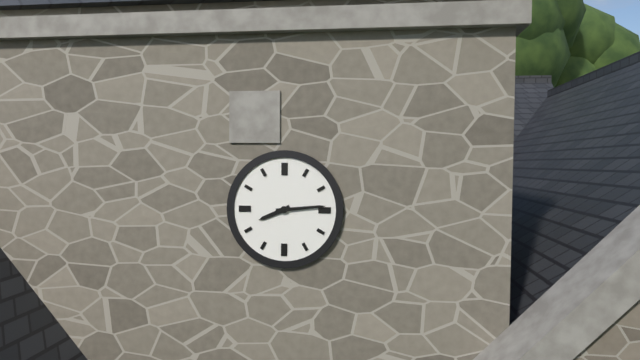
{"hour": 8, "minute": 14}
